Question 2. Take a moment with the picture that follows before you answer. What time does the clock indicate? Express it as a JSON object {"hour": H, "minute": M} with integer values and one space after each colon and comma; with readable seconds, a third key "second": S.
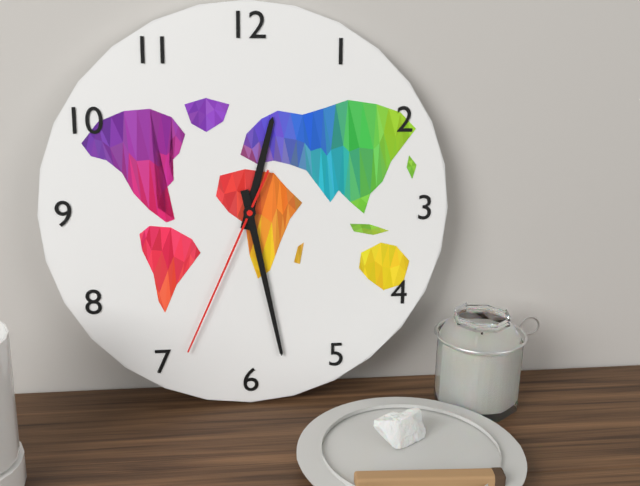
{"hour": 12, "minute": 28, "second": 34}
